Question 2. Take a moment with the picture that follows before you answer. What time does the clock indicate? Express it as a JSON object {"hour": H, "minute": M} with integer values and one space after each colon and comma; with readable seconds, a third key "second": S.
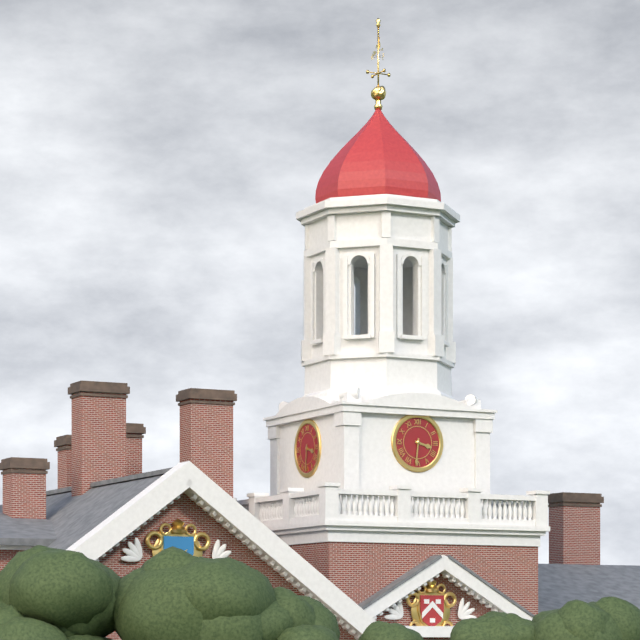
{"hour": 3, "minute": 31}
